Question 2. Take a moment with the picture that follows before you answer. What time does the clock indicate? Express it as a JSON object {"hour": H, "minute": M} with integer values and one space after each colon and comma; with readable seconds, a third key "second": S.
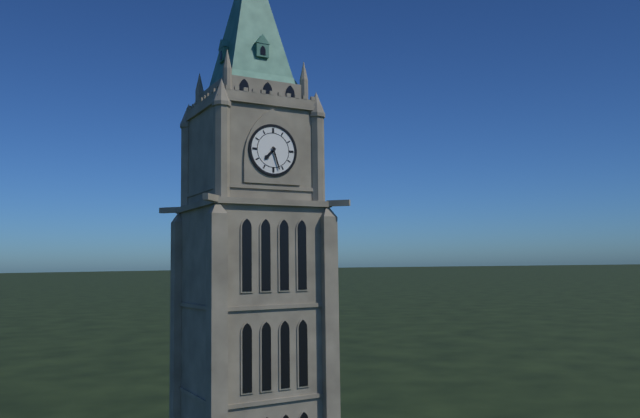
{"hour": 7, "minute": 27}
